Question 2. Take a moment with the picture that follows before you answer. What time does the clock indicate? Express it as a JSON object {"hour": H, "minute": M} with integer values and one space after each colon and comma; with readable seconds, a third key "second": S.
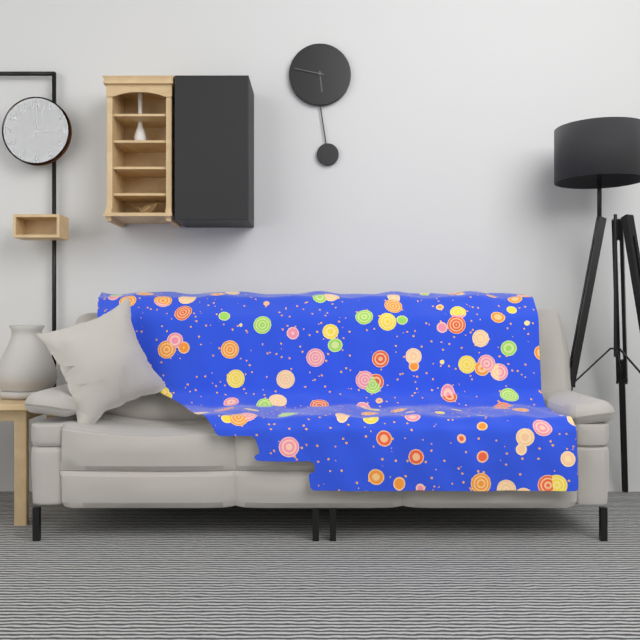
{"hour": 5, "minute": 47}
